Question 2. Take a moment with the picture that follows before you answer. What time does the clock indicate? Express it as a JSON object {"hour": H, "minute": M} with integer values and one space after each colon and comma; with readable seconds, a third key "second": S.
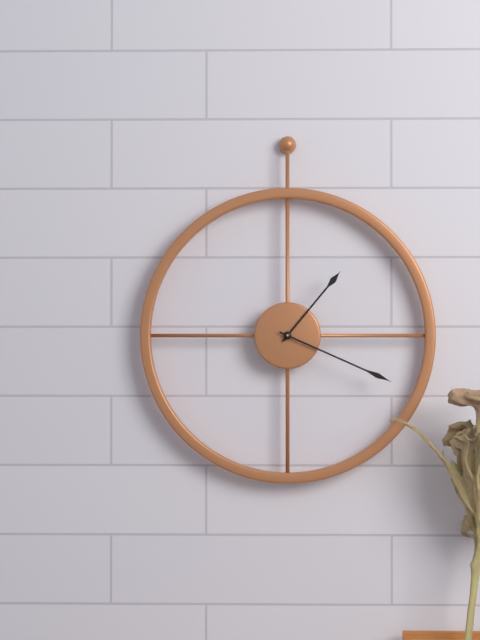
{"hour": 1, "minute": 19}
